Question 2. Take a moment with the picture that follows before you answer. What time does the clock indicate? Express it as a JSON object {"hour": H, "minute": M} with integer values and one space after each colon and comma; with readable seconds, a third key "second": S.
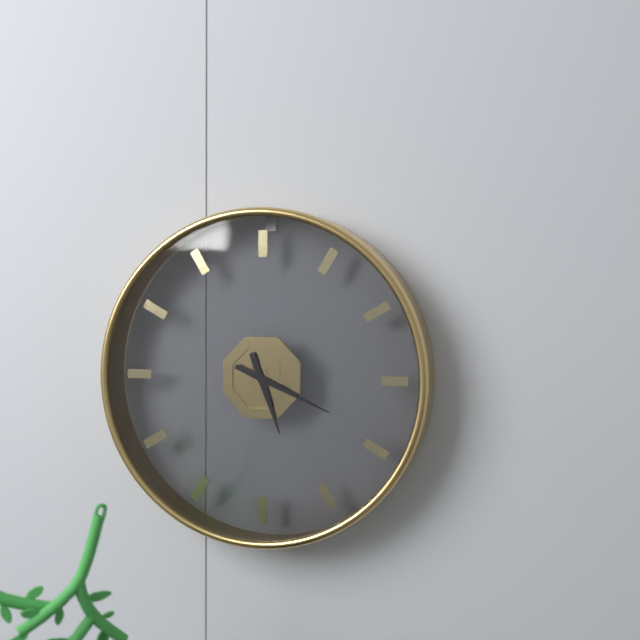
{"hour": 5, "minute": 19}
